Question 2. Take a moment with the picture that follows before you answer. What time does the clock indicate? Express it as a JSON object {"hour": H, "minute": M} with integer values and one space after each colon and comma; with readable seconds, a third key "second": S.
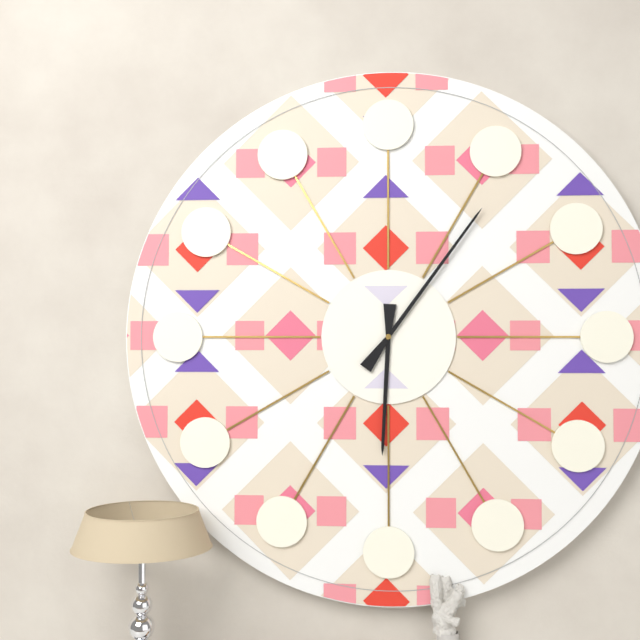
{"hour": 6, "minute": 6}
